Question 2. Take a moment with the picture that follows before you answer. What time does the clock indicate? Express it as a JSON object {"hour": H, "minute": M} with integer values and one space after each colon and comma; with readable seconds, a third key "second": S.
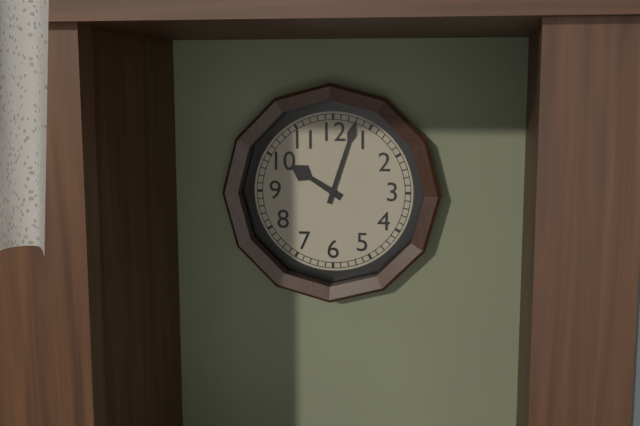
{"hour": 10, "minute": 3}
